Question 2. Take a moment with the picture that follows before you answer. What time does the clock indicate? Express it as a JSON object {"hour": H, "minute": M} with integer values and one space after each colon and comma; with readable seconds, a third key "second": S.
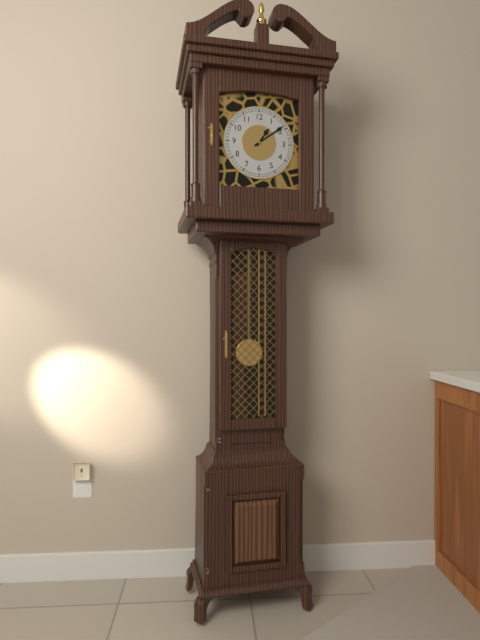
{"hour": 1, "minute": 9}
